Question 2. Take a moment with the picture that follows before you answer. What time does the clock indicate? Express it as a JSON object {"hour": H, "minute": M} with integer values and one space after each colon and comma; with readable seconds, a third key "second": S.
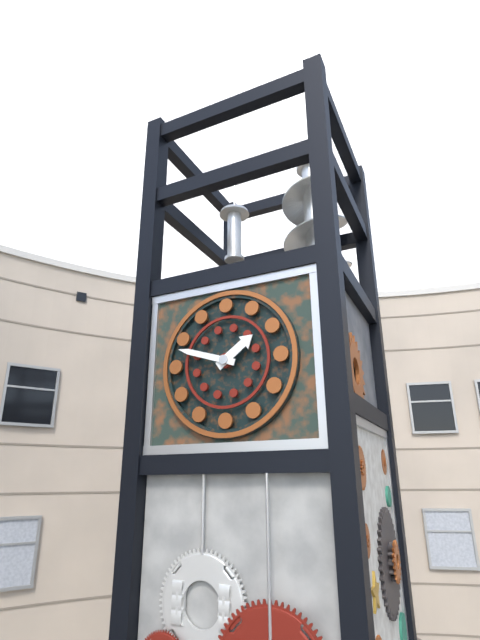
{"hour": 1, "minute": 48}
